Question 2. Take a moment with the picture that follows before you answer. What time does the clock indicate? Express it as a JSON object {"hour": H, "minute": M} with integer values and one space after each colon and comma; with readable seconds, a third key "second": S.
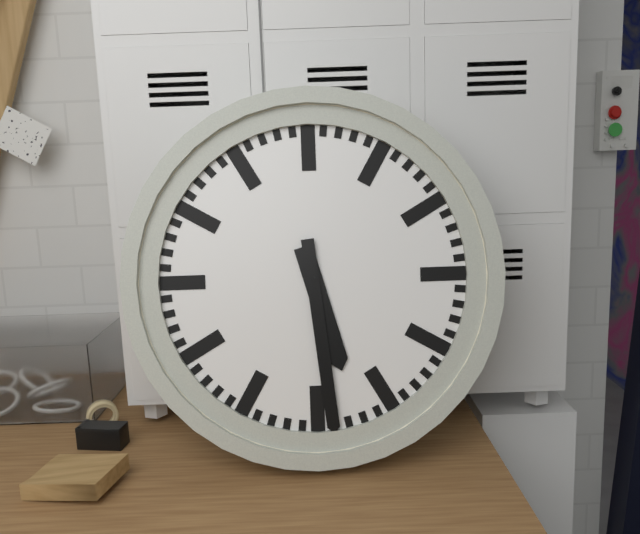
{"hour": 5, "minute": 29}
